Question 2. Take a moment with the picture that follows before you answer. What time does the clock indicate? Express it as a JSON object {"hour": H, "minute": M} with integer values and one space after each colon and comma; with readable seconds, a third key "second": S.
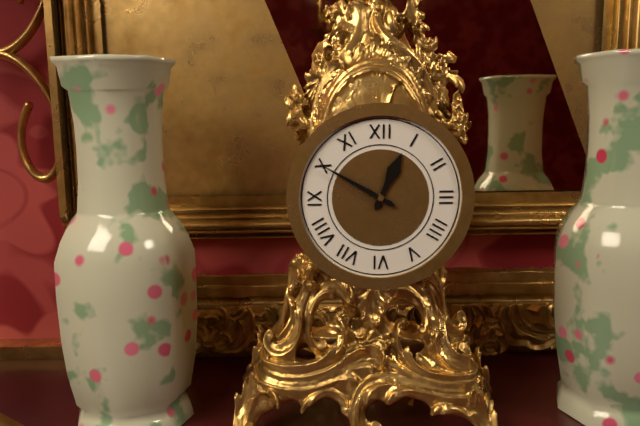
{"hour": 12, "minute": 50}
